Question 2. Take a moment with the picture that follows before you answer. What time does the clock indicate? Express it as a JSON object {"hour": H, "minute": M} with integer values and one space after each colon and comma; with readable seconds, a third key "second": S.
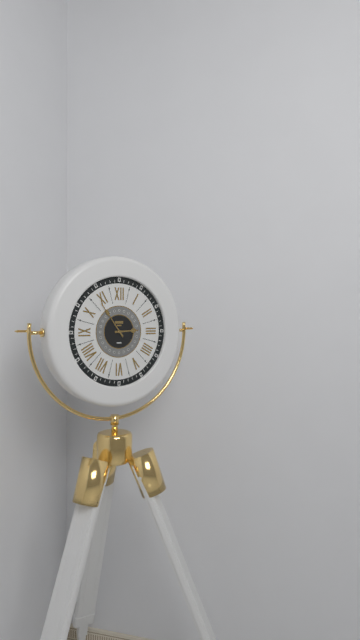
{"hour": 2, "minute": 54}
